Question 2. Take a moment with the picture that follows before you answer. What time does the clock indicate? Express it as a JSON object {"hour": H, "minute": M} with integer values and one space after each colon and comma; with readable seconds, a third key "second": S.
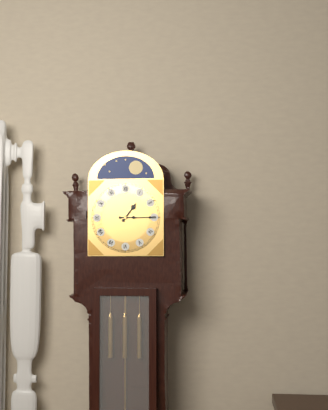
{"hour": 1, "minute": 15}
